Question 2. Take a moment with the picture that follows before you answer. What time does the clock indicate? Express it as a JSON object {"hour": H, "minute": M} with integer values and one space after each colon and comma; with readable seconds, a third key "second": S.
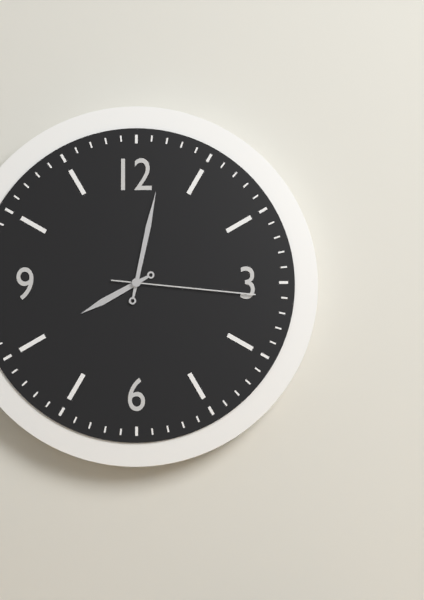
{"hour": 8, "minute": 2, "second": 16}
